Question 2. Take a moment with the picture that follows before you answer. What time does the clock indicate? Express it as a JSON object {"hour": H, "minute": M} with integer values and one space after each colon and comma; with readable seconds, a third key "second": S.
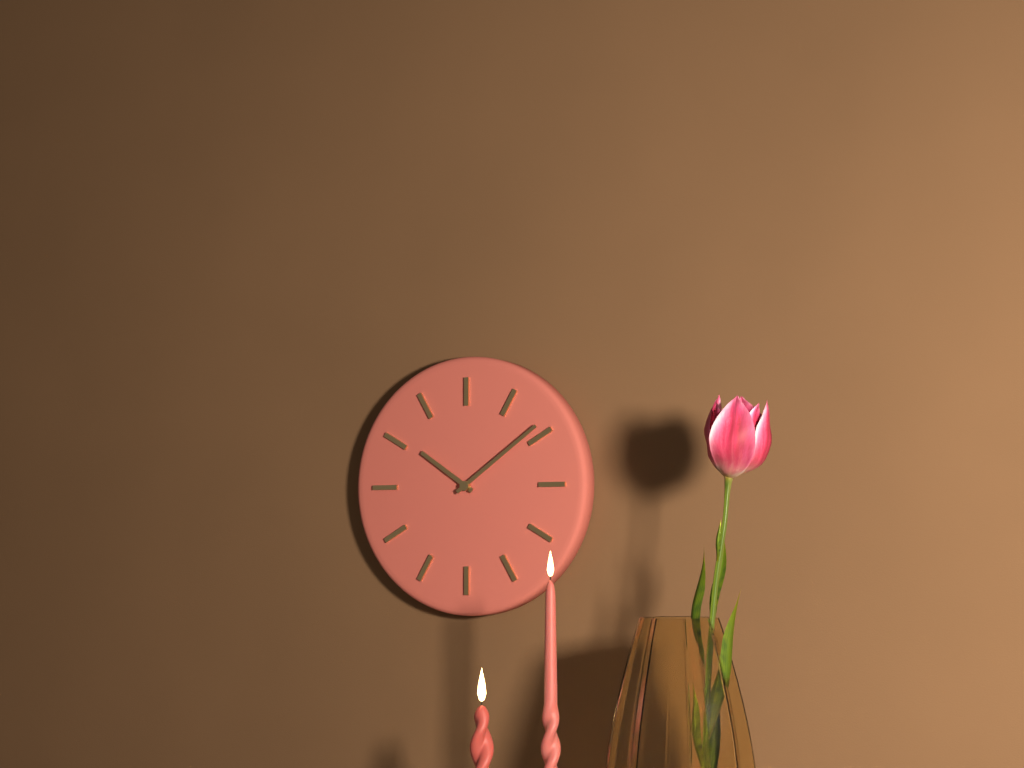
{"hour": 10, "minute": 9}
